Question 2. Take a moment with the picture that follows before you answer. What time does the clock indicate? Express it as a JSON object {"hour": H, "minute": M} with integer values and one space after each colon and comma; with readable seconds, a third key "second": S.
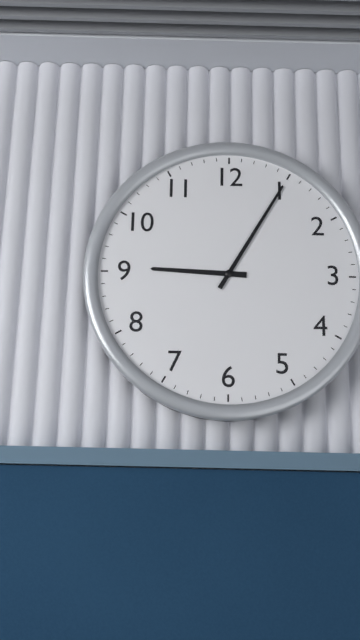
{"hour": 9, "minute": 5}
